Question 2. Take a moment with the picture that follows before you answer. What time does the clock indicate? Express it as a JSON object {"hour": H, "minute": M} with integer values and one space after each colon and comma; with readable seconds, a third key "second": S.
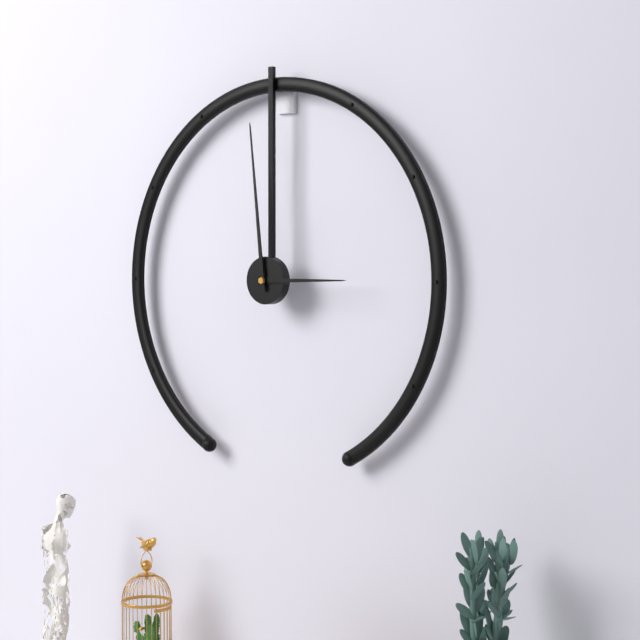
{"hour": 2, "minute": 59}
